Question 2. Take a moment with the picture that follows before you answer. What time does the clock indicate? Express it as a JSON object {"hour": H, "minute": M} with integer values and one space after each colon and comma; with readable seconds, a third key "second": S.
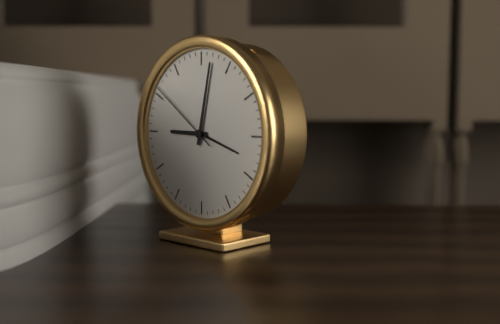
{"hour": 9, "minute": 2, "second": 51}
